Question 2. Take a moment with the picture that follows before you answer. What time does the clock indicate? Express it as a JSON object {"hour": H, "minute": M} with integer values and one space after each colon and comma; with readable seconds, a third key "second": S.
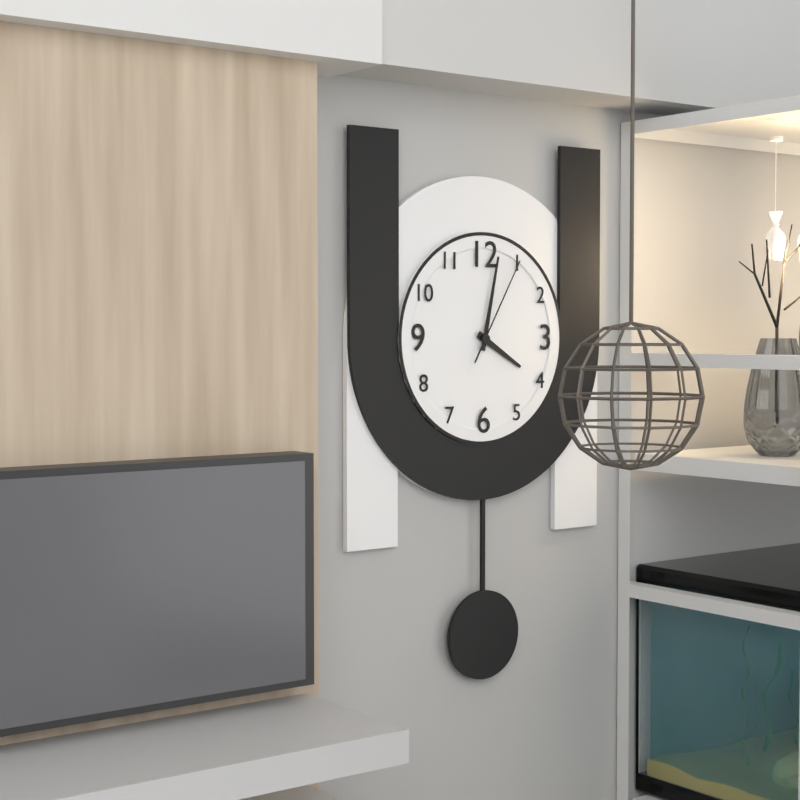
{"hour": 4, "minute": 2, "second": 5}
